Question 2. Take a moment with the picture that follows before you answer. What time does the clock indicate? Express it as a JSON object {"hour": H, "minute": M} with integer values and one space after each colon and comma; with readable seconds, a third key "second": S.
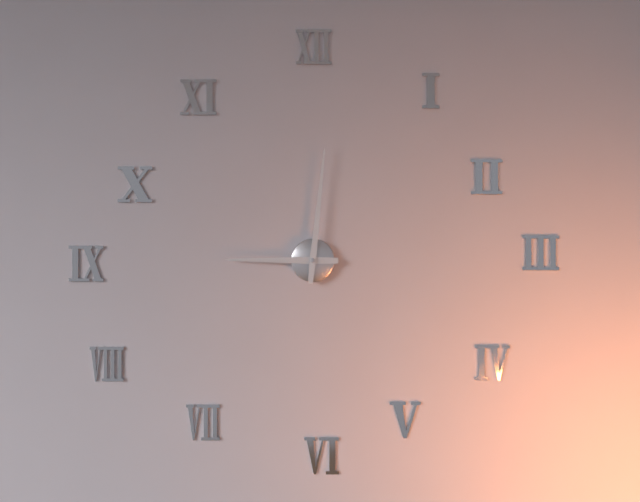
{"hour": 9, "minute": 1}
